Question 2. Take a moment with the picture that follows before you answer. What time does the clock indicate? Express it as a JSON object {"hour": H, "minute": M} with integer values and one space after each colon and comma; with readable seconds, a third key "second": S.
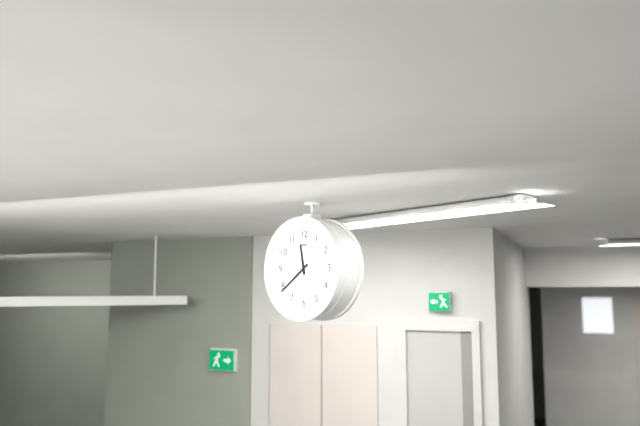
{"hour": 11, "minute": 39}
